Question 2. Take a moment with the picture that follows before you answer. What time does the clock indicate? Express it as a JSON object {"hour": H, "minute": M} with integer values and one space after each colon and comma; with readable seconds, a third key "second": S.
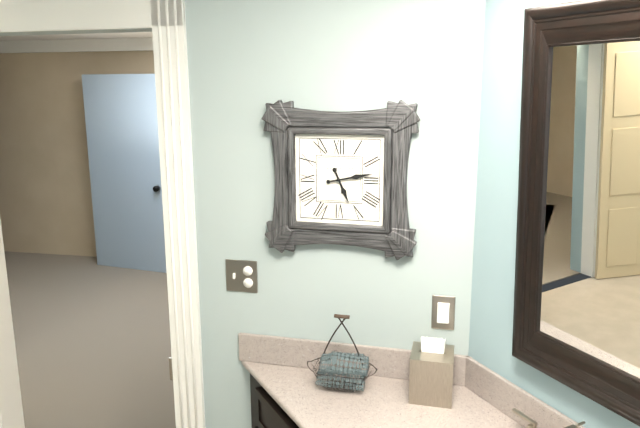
{"hour": 5, "minute": 13}
